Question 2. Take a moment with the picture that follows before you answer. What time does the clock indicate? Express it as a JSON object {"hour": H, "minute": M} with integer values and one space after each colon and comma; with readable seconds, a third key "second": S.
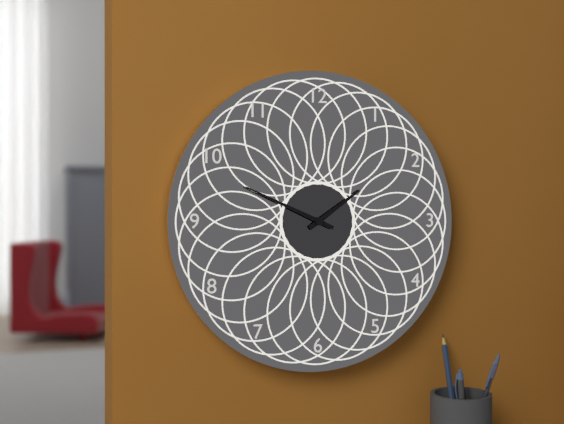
{"hour": 1, "minute": 49}
